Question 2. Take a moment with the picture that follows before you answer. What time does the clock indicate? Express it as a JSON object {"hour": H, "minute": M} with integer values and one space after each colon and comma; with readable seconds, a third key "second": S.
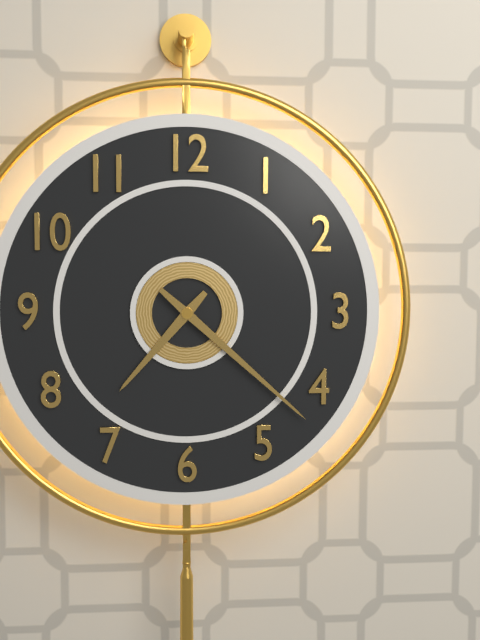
{"hour": 7, "minute": 22}
